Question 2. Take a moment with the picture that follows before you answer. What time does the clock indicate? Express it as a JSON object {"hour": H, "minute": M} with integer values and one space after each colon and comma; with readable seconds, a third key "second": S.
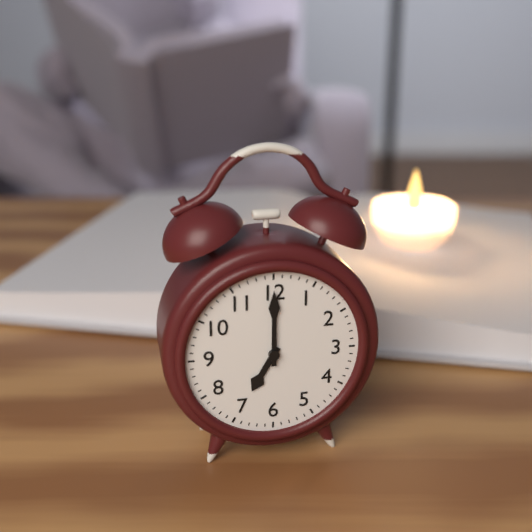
{"hour": 7, "minute": 0}
